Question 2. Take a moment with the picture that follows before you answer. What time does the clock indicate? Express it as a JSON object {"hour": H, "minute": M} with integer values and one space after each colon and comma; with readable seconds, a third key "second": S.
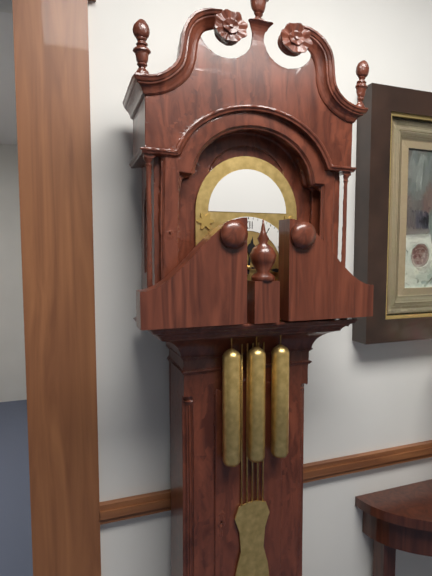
{"hour": 12, "minute": 16}
